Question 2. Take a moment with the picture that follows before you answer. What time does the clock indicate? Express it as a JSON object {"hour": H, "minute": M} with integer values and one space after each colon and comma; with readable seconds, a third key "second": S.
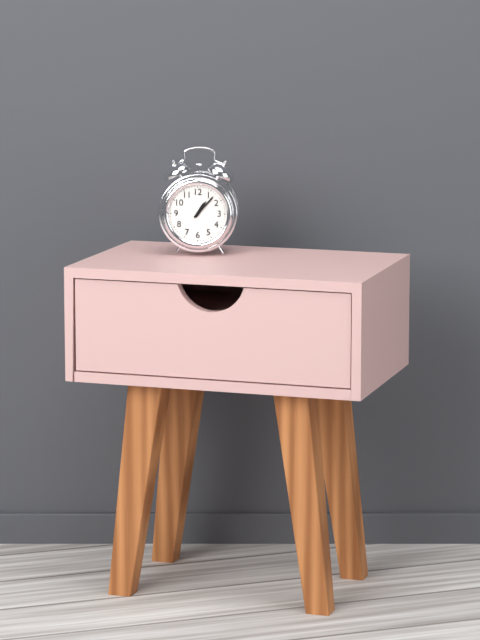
{"hour": 1, "minute": 7}
